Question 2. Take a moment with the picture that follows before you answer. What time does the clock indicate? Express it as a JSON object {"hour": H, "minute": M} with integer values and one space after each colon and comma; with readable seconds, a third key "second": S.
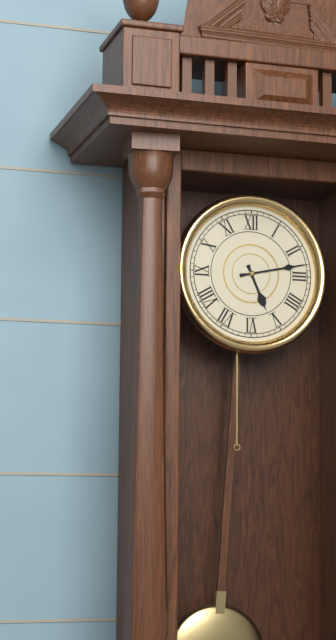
{"hour": 5, "minute": 13}
